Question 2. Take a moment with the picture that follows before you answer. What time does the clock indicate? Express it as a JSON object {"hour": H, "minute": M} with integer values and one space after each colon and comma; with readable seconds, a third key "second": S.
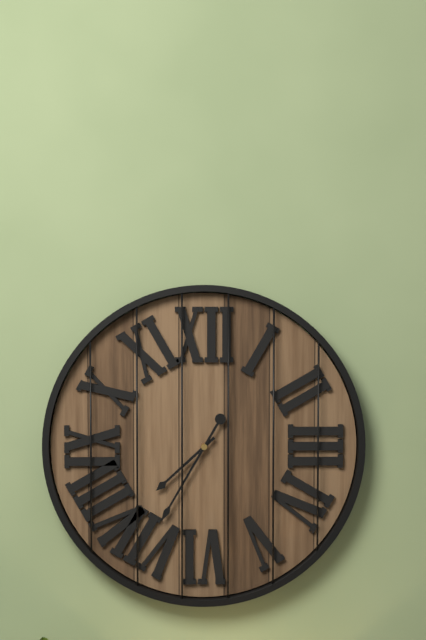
{"hour": 7, "minute": 35}
